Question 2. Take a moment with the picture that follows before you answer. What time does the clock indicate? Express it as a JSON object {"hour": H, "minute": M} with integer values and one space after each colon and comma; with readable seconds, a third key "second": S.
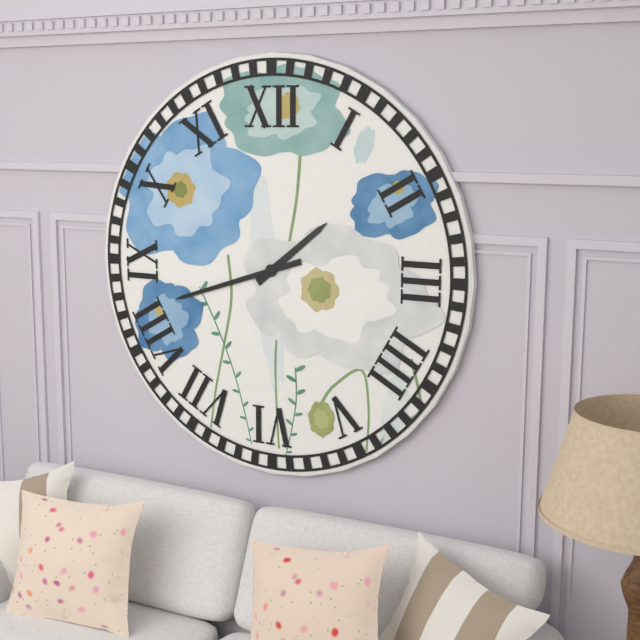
{"hour": 1, "minute": 42}
